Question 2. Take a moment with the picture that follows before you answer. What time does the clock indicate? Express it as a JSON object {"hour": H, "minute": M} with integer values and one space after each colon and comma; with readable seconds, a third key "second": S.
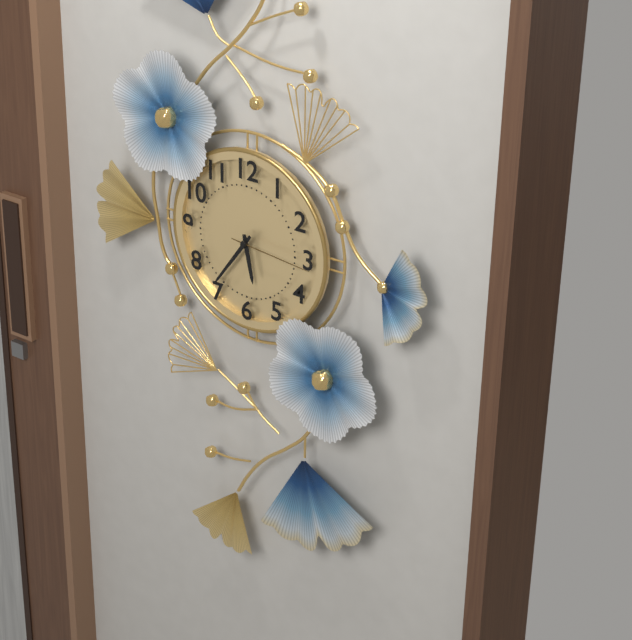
{"hour": 5, "minute": 36, "second": 16}
